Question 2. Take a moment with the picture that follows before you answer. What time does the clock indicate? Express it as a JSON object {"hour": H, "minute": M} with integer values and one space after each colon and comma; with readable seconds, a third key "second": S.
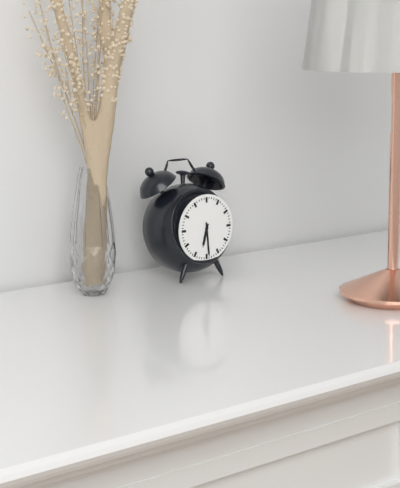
{"hour": 6, "minute": 29}
